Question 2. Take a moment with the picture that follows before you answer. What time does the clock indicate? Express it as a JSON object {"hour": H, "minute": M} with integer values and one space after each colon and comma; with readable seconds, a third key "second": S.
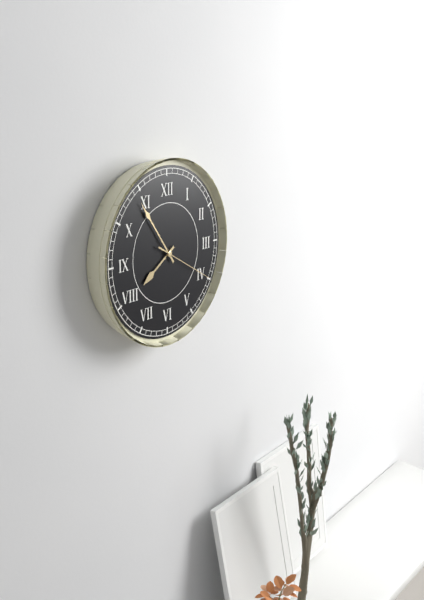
{"hour": 7, "minute": 54, "second": 20}
